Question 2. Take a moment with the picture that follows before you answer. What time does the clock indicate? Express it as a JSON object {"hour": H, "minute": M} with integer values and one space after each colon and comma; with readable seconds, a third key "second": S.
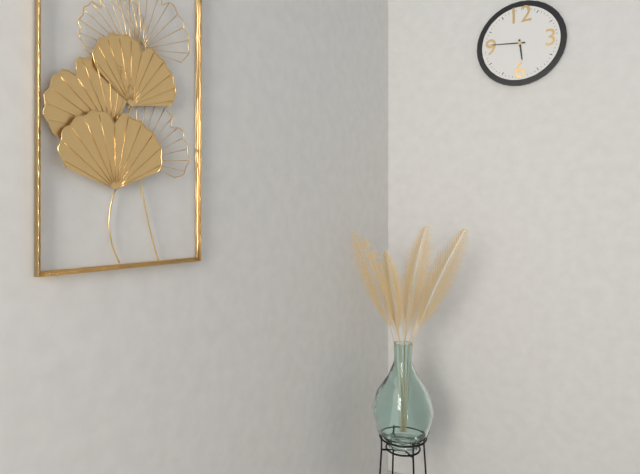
{"hour": 5, "minute": 46}
